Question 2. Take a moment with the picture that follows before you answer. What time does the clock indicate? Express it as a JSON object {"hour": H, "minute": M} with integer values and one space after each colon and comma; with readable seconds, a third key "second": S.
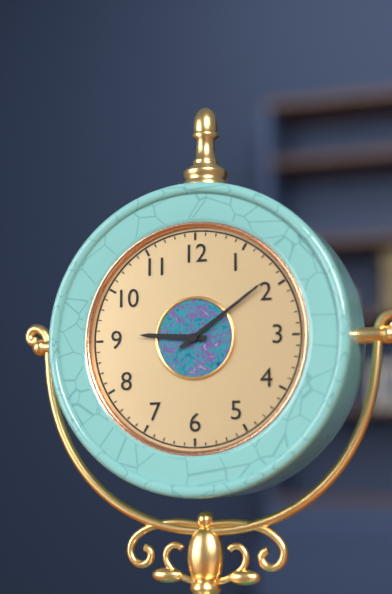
{"hour": 9, "minute": 9}
